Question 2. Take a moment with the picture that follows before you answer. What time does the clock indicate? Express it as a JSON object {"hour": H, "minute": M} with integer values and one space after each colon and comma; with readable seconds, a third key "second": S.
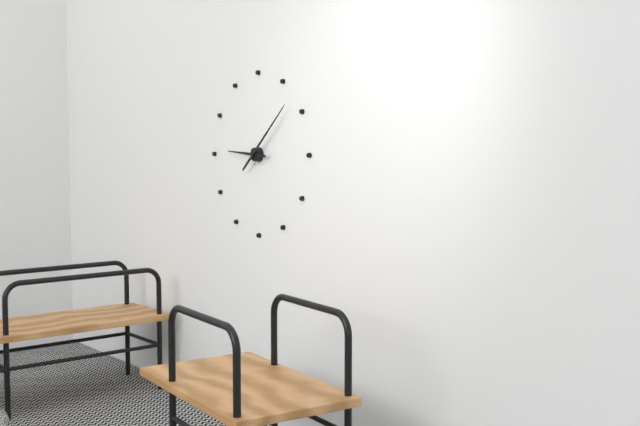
{"hour": 9, "minute": 8}
